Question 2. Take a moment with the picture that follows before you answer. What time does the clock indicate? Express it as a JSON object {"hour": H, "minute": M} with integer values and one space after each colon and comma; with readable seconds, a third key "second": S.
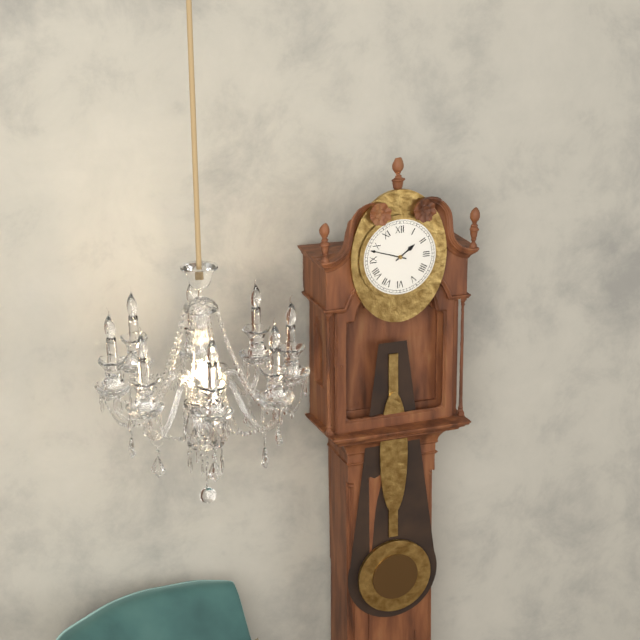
{"hour": 1, "minute": 48}
